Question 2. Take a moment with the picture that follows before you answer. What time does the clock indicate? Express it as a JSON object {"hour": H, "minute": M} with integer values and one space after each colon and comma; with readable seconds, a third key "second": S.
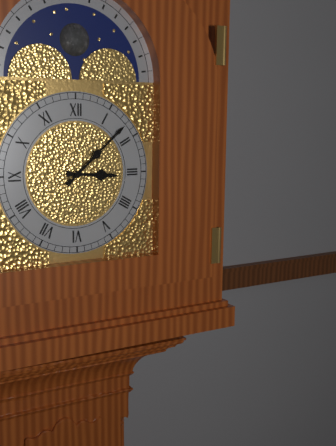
{"hour": 3, "minute": 8}
